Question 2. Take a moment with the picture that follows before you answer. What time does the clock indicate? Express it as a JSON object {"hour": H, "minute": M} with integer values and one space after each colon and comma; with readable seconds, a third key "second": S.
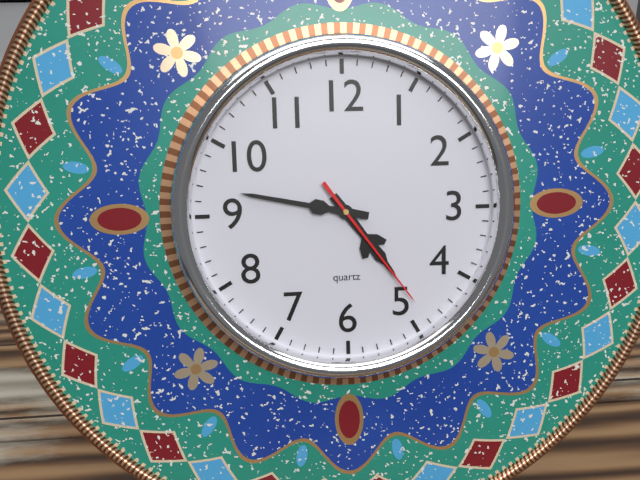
{"hour": 4, "minute": 47, "second": 24}
